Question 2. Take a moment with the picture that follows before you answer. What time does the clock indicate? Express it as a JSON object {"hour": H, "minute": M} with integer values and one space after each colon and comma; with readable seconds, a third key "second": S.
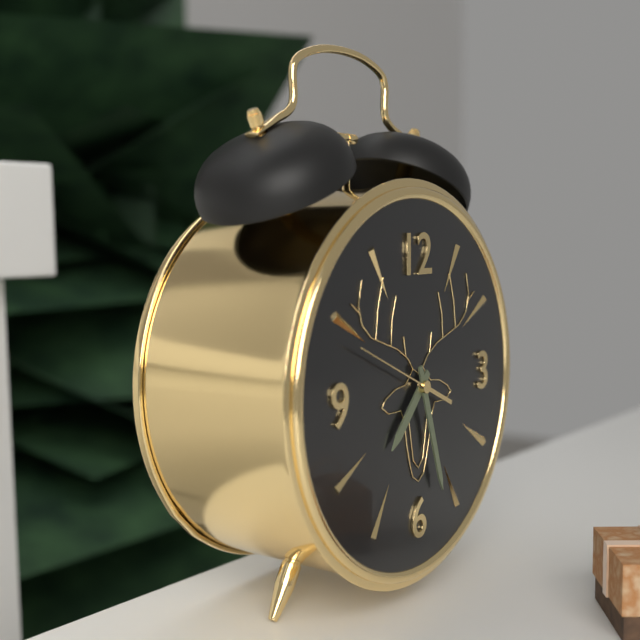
{"hour": 7, "minute": 27, "second": 49}
